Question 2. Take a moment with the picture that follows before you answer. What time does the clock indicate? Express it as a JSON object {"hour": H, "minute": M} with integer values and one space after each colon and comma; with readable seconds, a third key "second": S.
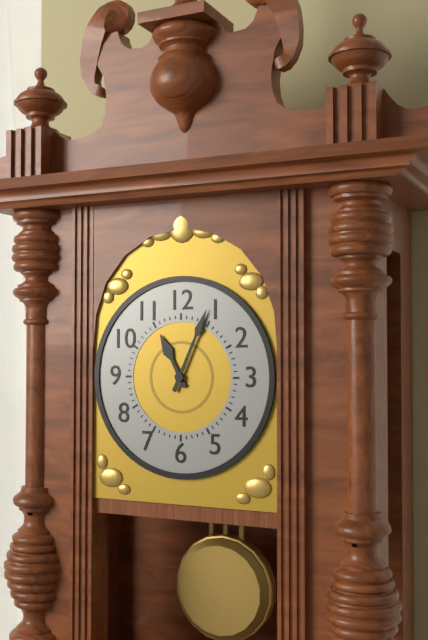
{"hour": 11, "minute": 4}
